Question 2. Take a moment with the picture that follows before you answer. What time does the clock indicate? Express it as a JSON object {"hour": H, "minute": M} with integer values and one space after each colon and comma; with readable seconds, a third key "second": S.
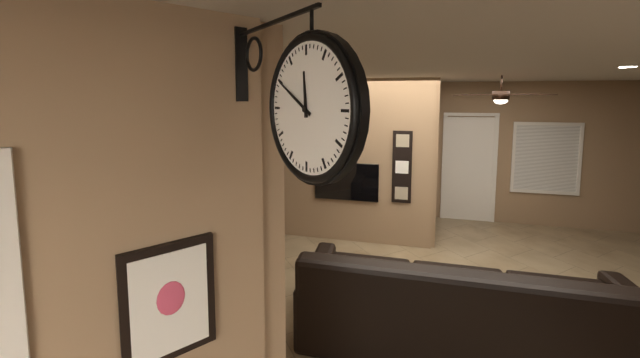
{"hour": 11, "minute": 50}
